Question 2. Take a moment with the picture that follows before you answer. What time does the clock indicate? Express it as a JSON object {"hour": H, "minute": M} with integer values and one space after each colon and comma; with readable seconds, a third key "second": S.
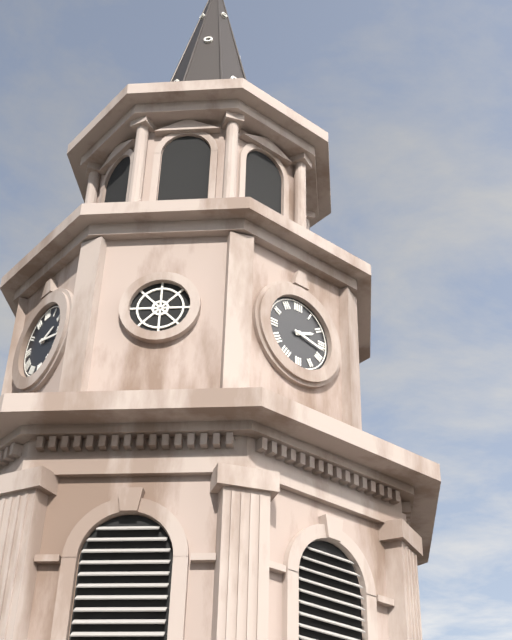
{"hour": 2, "minute": 17}
